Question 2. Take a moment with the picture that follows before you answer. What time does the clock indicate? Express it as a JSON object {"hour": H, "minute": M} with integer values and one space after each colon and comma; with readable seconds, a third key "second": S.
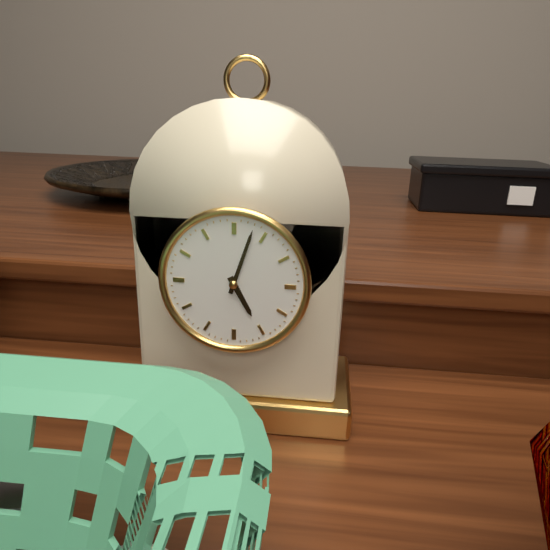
{"hour": 5, "minute": 3}
